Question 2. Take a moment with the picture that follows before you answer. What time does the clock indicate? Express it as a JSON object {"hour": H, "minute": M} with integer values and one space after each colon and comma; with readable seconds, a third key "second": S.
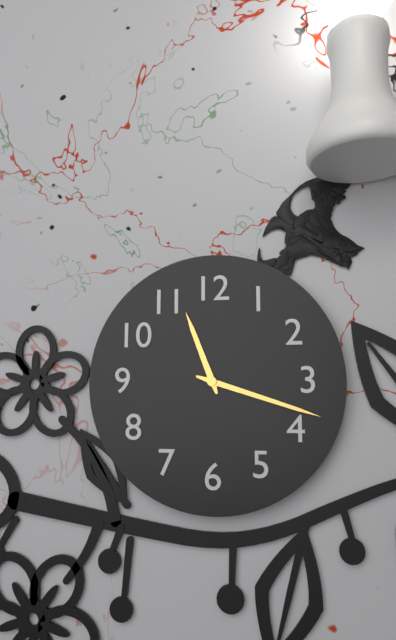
{"hour": 11, "minute": 18}
